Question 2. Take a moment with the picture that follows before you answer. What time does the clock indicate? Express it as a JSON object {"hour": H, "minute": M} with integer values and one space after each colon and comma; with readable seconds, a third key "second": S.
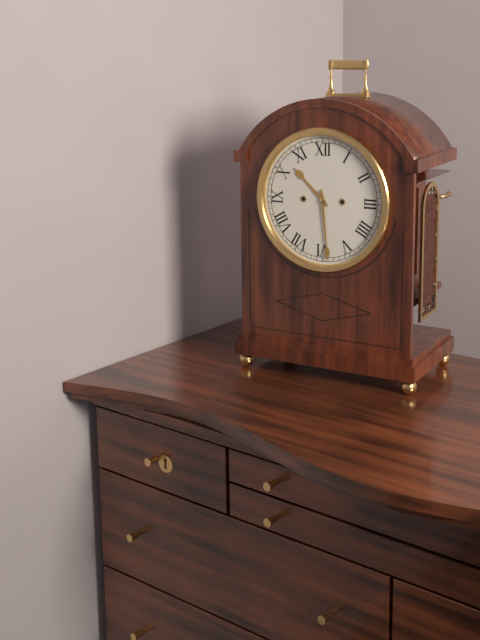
{"hour": 10, "minute": 29}
